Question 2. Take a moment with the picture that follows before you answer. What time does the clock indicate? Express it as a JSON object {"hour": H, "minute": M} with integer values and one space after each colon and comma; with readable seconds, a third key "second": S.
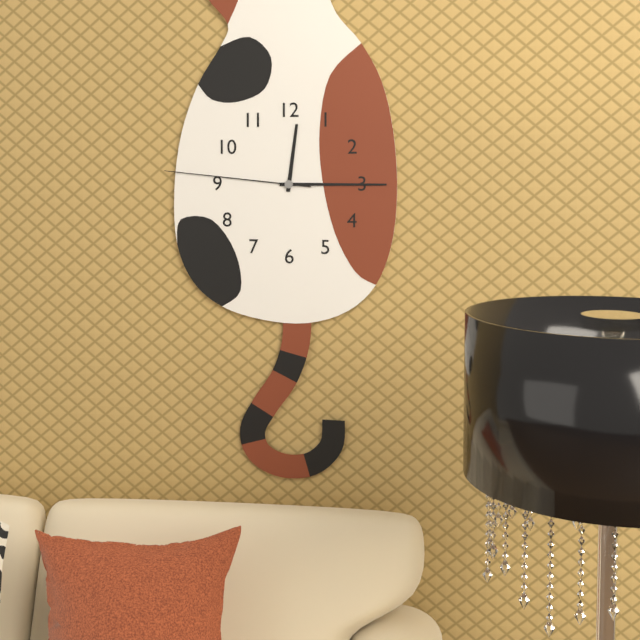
{"hour": 12, "minute": 15, "second": 46}
